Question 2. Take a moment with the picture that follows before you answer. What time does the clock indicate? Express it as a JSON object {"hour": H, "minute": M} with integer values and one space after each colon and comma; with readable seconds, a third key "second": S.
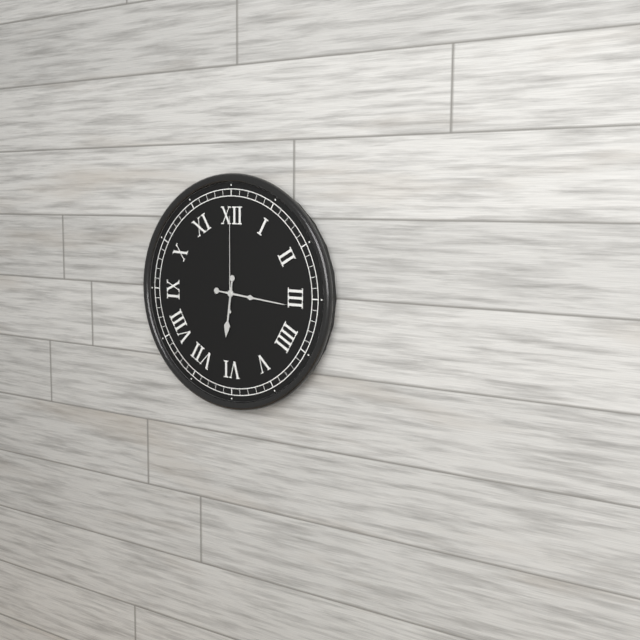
{"hour": 6, "minute": 16, "second": 0}
